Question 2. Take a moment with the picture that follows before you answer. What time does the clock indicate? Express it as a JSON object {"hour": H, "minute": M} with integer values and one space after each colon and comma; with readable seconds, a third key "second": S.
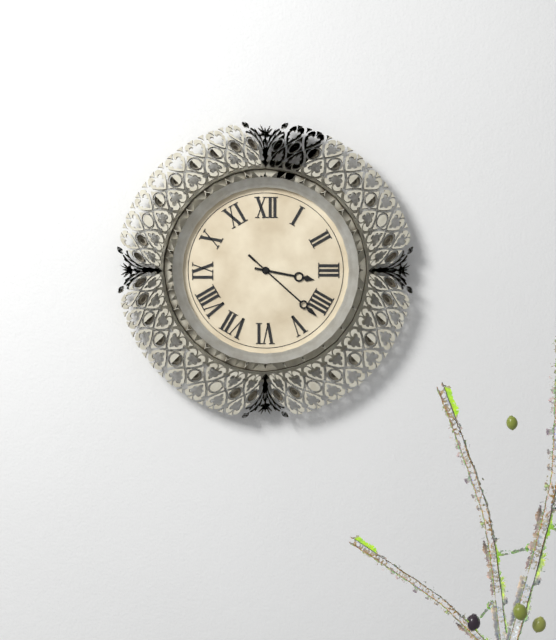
{"hour": 3, "minute": 22}
